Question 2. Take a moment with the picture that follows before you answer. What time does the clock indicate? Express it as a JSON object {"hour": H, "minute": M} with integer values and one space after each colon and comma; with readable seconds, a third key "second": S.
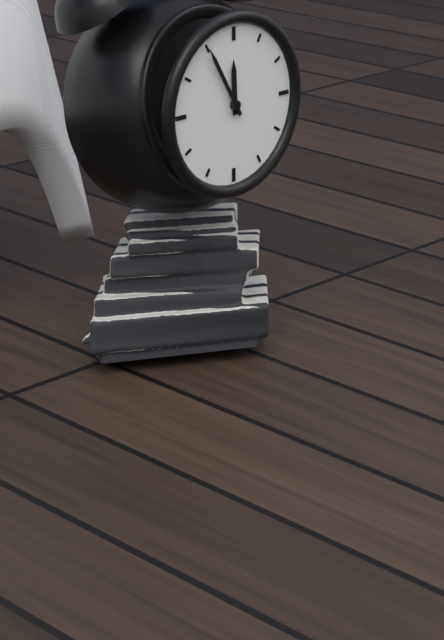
{"hour": 11, "minute": 55}
